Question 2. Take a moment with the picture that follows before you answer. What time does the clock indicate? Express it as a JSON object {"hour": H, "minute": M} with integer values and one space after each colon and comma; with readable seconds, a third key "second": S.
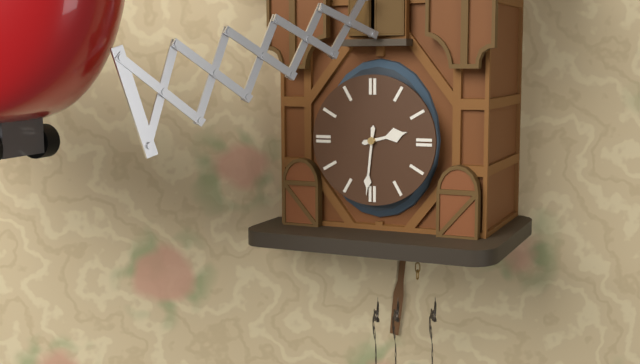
{"hour": 2, "minute": 31}
